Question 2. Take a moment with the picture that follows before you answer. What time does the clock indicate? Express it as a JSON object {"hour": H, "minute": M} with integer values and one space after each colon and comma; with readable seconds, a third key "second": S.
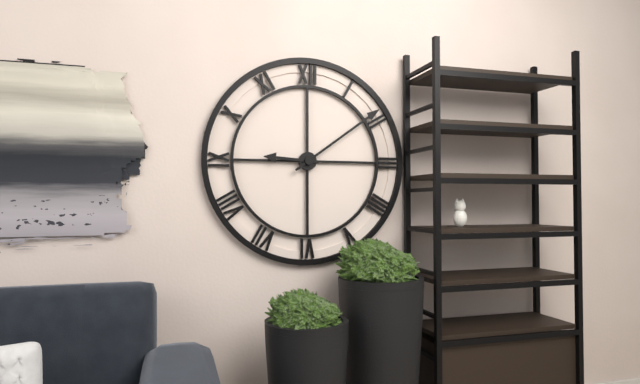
{"hour": 9, "minute": 9}
